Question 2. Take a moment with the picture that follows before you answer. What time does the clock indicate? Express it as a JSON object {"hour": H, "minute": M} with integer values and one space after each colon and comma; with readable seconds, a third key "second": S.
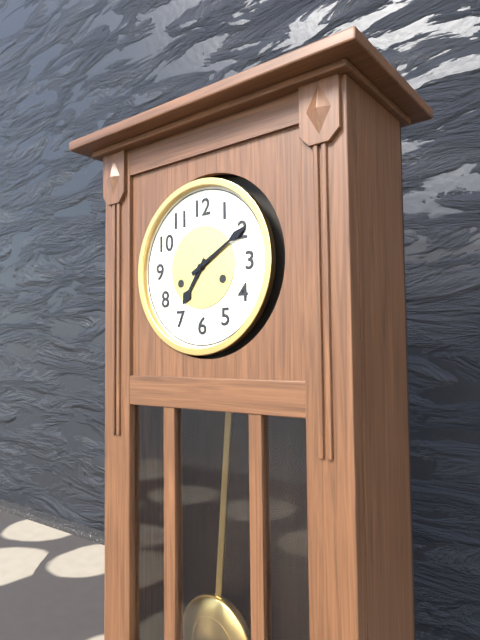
{"hour": 7, "minute": 10}
